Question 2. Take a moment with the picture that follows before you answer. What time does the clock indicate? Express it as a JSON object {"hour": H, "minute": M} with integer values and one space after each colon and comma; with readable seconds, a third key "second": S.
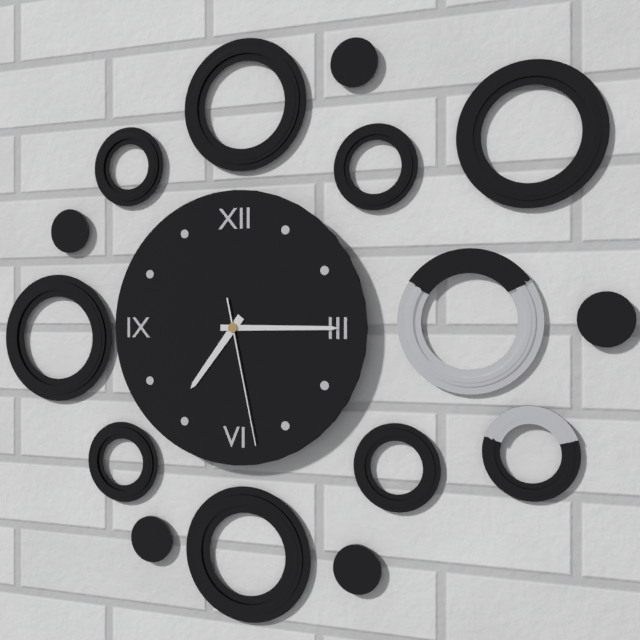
{"hour": 7, "minute": 15, "second": 28}
